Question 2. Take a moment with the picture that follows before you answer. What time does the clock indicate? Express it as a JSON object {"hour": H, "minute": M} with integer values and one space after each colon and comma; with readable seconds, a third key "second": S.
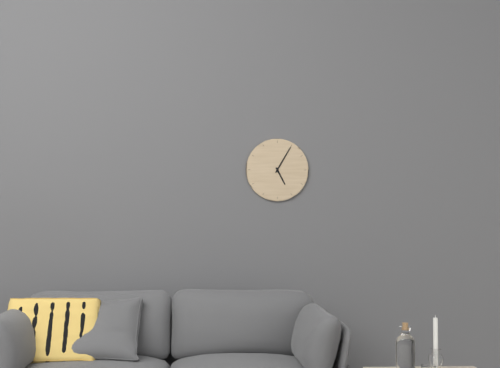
{"hour": 5, "minute": 5}
